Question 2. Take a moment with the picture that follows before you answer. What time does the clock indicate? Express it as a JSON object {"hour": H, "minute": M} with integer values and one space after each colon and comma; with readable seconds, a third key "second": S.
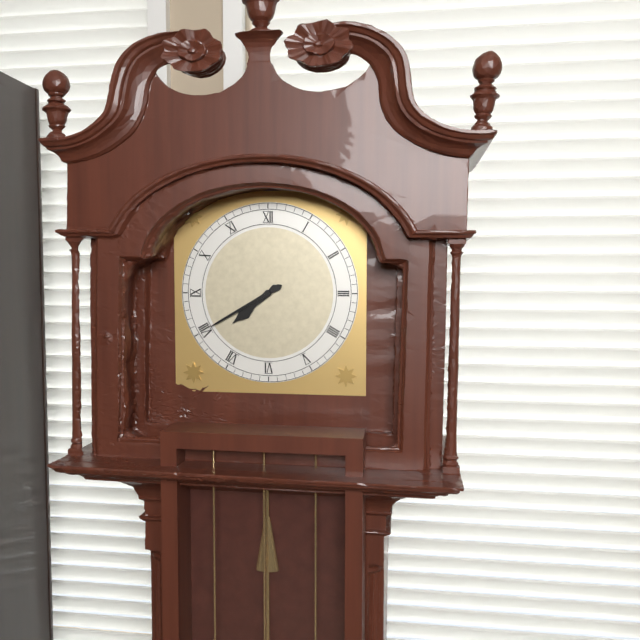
{"hour": 7, "minute": 40}
